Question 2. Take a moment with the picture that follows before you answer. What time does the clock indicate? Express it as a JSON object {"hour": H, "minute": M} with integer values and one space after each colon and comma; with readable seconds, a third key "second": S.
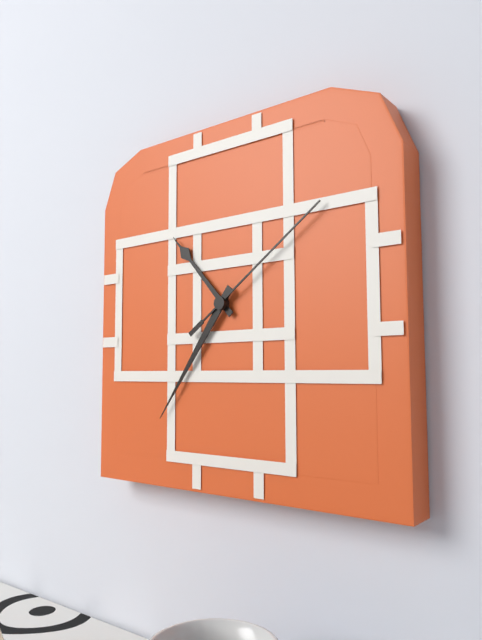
{"hour": 10, "minute": 36, "second": 9}
